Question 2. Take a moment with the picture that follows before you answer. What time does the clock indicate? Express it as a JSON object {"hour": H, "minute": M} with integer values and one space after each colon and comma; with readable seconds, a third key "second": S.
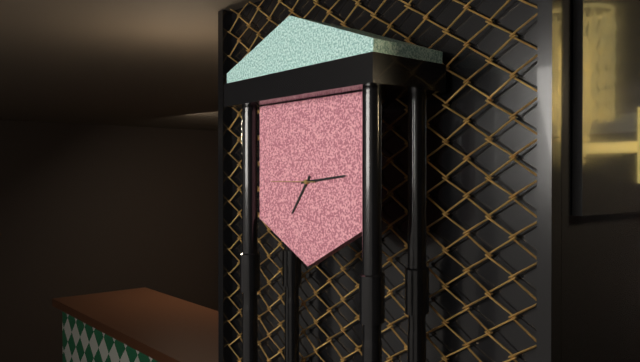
{"hour": 7, "minute": 14}
